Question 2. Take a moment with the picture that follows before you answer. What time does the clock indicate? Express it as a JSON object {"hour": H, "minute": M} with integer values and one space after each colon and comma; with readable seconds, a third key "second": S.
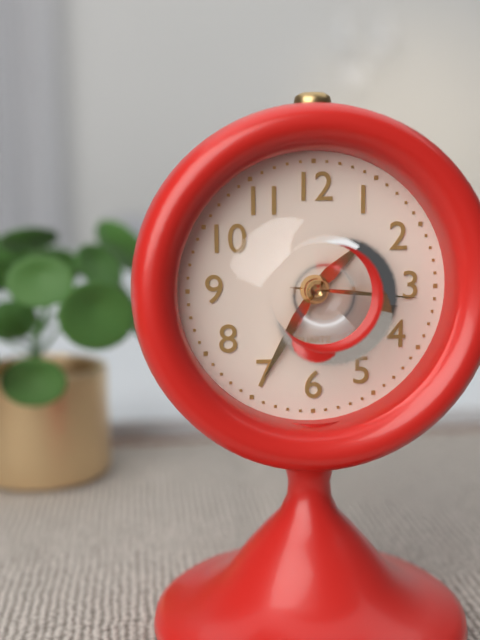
{"hour": 1, "minute": 35, "second": 16}
